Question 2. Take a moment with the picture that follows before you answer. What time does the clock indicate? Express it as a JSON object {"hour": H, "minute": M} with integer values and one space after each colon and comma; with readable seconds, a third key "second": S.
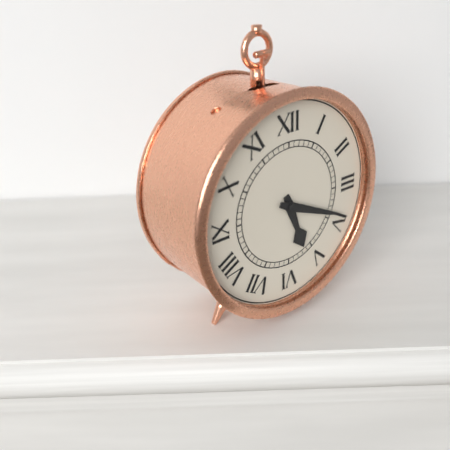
{"hour": 5, "minute": 19}
